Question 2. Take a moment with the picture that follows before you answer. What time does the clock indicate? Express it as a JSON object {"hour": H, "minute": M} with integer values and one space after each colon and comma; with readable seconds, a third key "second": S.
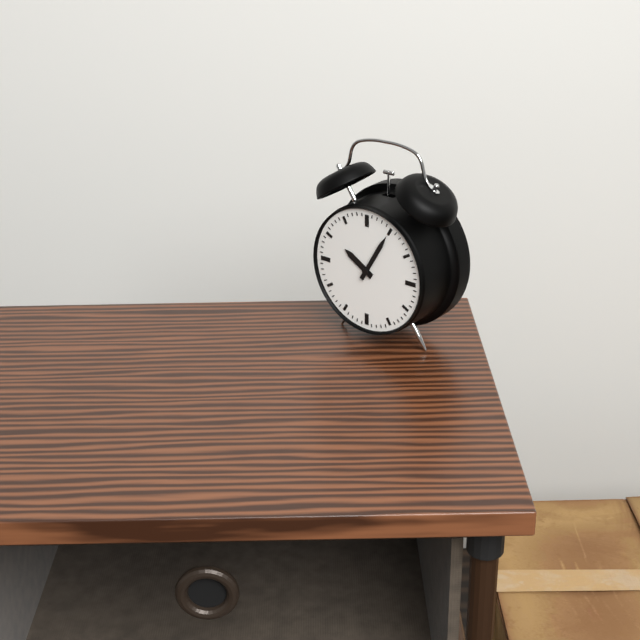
{"hour": 10, "minute": 5}
